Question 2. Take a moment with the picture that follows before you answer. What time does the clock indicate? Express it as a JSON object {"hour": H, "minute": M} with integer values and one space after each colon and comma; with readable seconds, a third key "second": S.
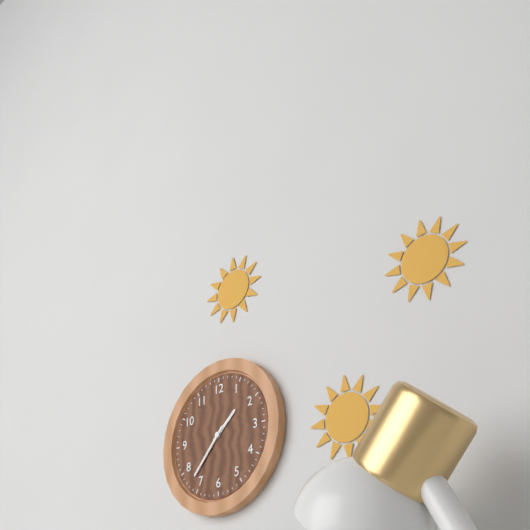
{"hour": 1, "minute": 37}
